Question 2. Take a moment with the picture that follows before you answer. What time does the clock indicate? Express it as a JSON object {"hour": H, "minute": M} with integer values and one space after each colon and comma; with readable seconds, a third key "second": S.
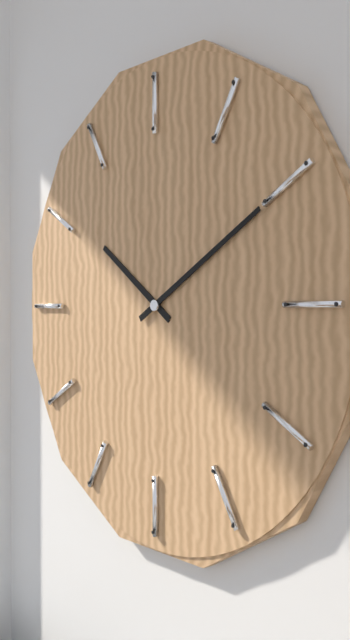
{"hour": 10, "minute": 10}
